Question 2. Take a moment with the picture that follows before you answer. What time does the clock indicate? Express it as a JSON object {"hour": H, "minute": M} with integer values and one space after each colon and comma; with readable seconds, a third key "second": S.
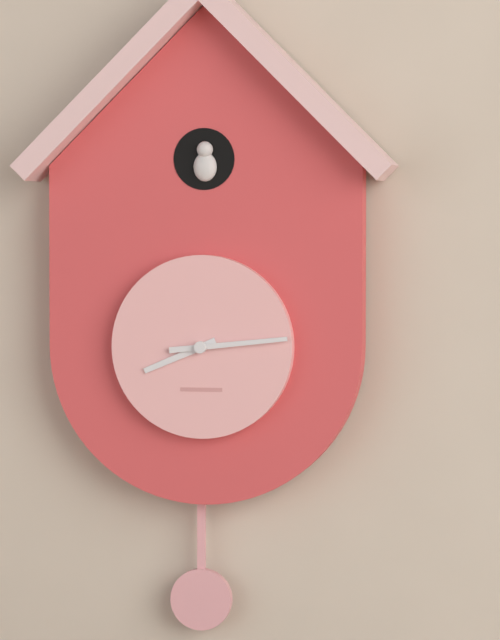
{"hour": 8, "minute": 14}
